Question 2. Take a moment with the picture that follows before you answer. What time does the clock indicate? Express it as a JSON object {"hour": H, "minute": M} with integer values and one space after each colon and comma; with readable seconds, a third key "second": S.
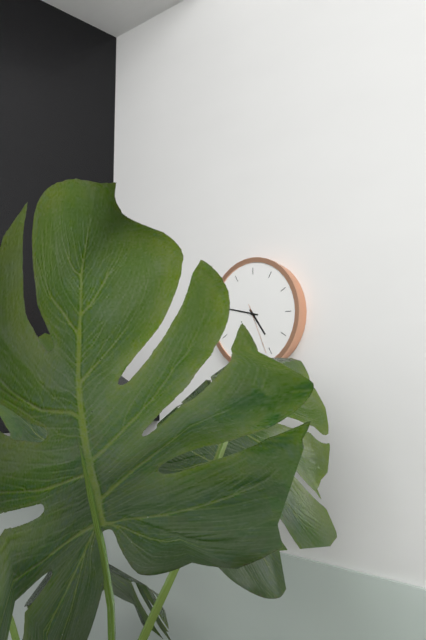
{"hour": 4, "minute": 47, "second": 26}
